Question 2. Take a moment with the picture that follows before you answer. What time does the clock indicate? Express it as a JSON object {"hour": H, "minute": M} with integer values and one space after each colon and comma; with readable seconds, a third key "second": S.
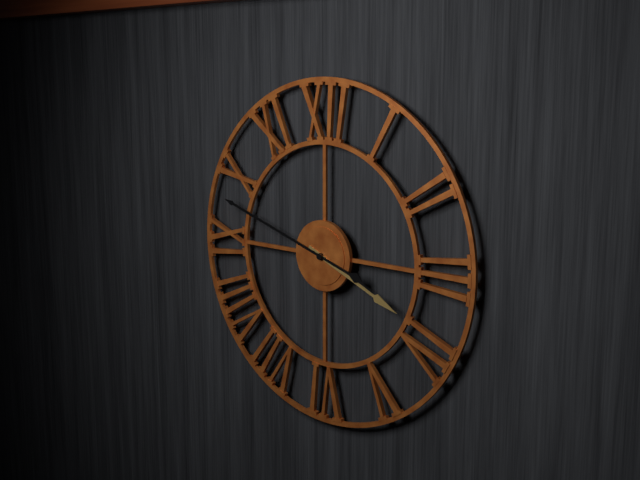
{"hour": 3, "minute": 48}
